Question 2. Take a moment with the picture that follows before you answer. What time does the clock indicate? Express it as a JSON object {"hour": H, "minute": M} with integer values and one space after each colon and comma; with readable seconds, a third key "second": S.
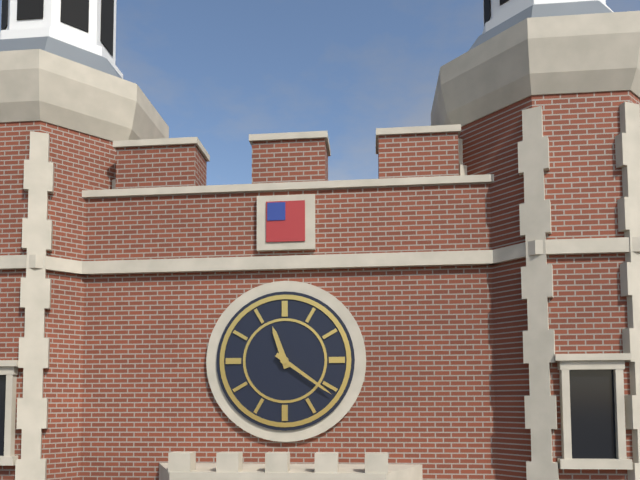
{"hour": 11, "minute": 21}
